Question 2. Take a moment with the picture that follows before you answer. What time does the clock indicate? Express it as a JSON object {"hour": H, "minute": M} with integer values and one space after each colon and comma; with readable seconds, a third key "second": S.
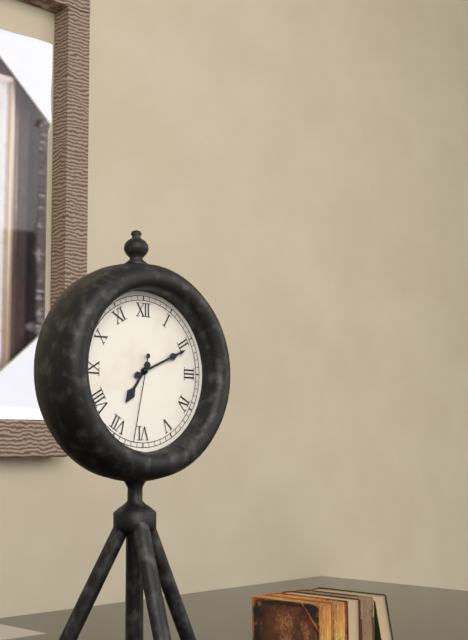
{"hour": 7, "minute": 11, "second": 32}
